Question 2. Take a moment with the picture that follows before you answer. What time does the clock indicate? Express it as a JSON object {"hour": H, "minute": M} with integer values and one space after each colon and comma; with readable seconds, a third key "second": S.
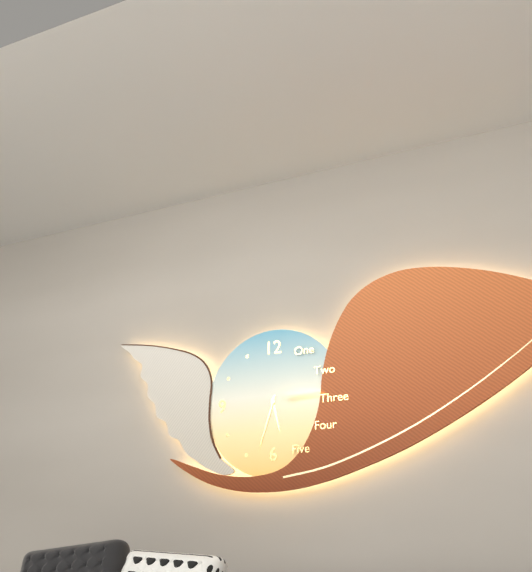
{"hour": 5, "minute": 33}
